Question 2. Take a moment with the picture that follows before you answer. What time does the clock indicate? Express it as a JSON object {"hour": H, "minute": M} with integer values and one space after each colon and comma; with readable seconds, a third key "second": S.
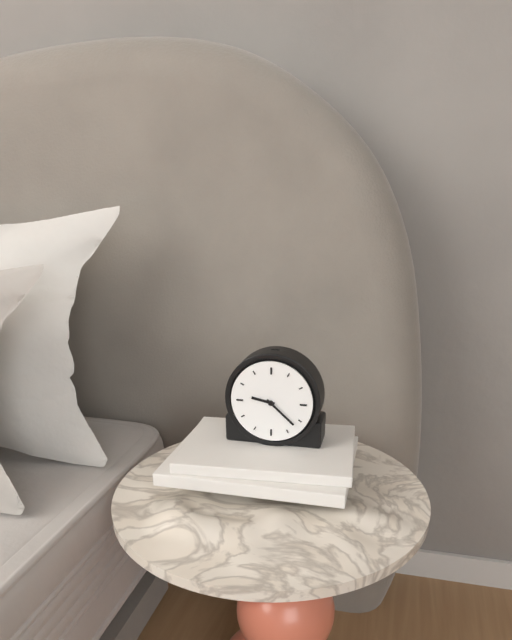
{"hour": 9, "minute": 22}
